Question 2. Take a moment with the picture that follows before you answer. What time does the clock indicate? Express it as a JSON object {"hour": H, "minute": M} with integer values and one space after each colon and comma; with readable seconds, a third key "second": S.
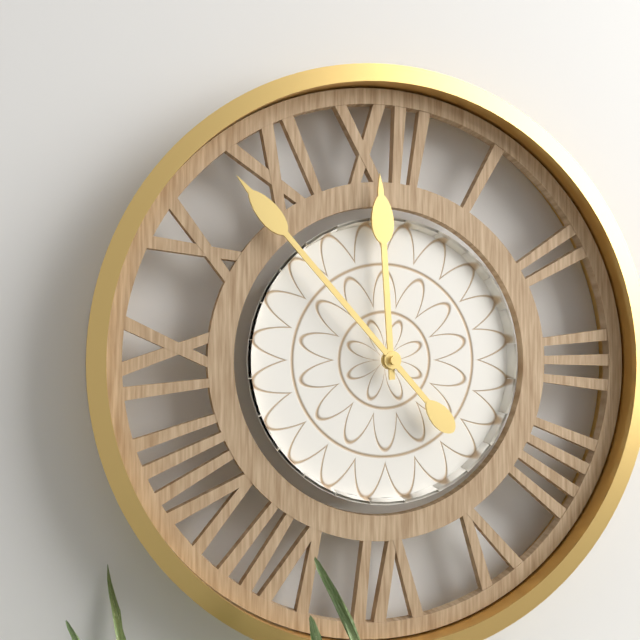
{"hour": 11, "minute": 53}
